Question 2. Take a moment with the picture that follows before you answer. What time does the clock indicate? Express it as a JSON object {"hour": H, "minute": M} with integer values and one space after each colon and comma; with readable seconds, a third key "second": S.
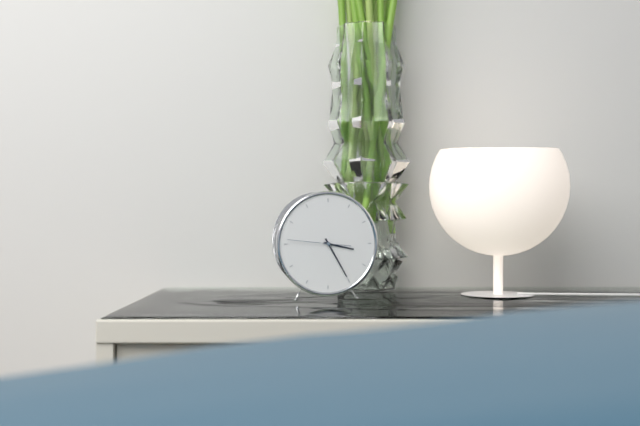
{"hour": 3, "minute": 25, "second": 46}
